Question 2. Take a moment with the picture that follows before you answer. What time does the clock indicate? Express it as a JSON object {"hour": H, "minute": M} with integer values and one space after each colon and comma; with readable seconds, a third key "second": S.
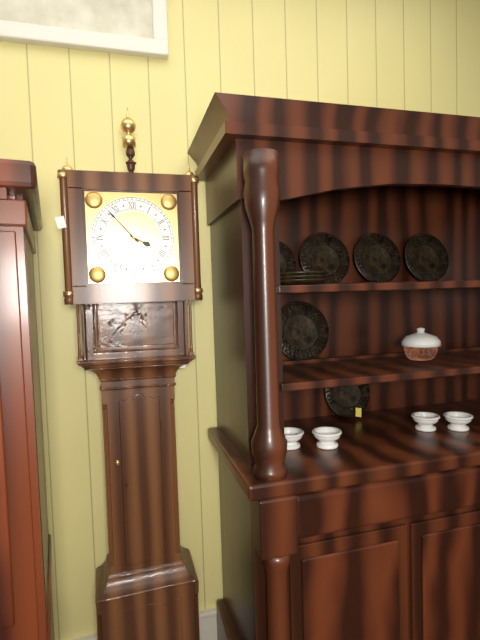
{"hour": 3, "minute": 53}
